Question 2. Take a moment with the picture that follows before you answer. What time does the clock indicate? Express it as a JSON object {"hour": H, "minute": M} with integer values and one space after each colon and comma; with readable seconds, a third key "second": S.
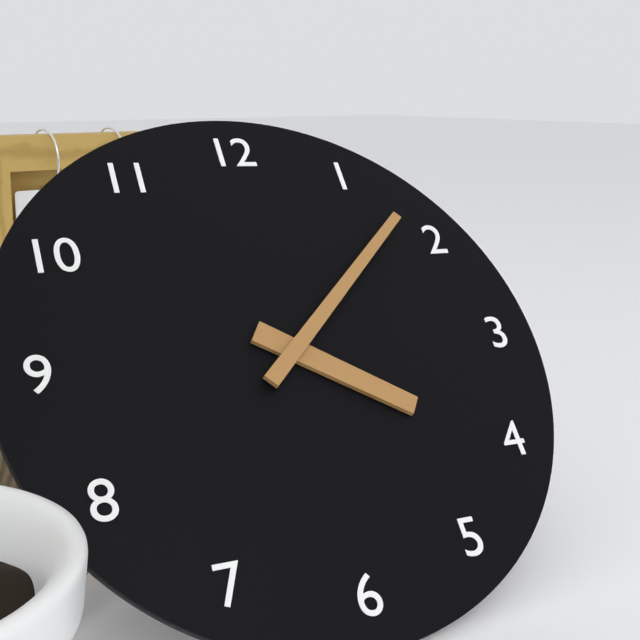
{"hour": 4, "minute": 8}
